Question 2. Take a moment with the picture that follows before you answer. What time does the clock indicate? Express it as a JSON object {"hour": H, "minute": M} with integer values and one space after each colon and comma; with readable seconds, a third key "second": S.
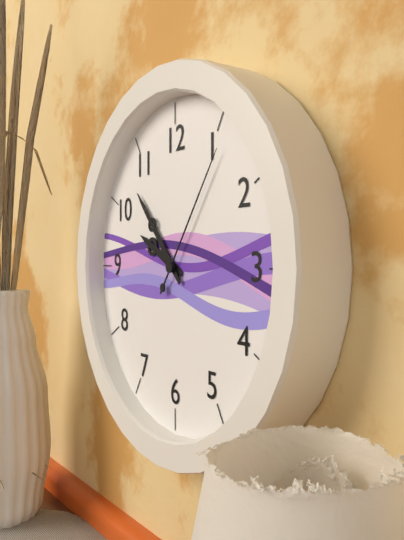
{"hour": 9, "minute": 53, "second": 6}
